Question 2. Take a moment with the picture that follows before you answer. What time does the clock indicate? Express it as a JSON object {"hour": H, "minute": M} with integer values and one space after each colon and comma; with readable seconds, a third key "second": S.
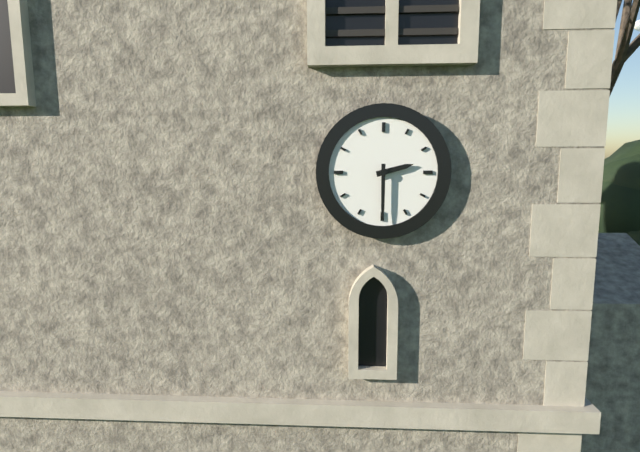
{"hour": 2, "minute": 30}
